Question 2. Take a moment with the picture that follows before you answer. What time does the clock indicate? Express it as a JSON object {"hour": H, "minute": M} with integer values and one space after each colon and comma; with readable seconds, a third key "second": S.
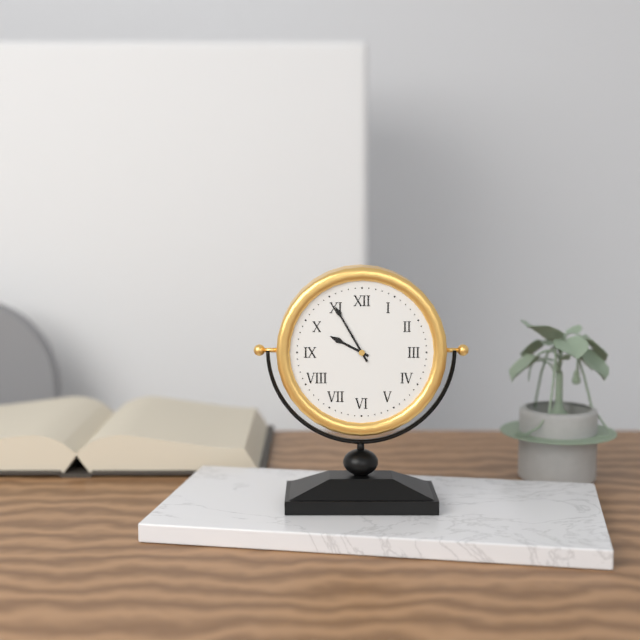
{"hour": 9, "minute": 55}
